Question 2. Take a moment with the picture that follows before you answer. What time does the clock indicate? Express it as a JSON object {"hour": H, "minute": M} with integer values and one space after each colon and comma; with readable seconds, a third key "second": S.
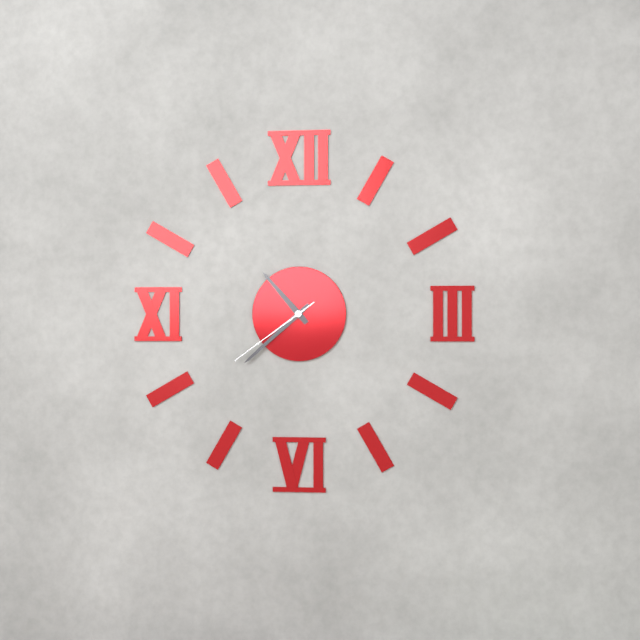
{"hour": 10, "minute": 38, "second": 39}
